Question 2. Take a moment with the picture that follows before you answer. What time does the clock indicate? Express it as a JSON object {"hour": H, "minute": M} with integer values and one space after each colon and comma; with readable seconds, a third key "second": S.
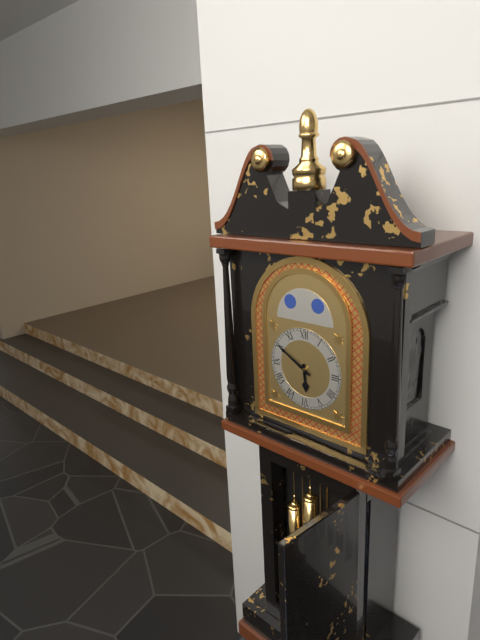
{"hour": 5, "minute": 50}
